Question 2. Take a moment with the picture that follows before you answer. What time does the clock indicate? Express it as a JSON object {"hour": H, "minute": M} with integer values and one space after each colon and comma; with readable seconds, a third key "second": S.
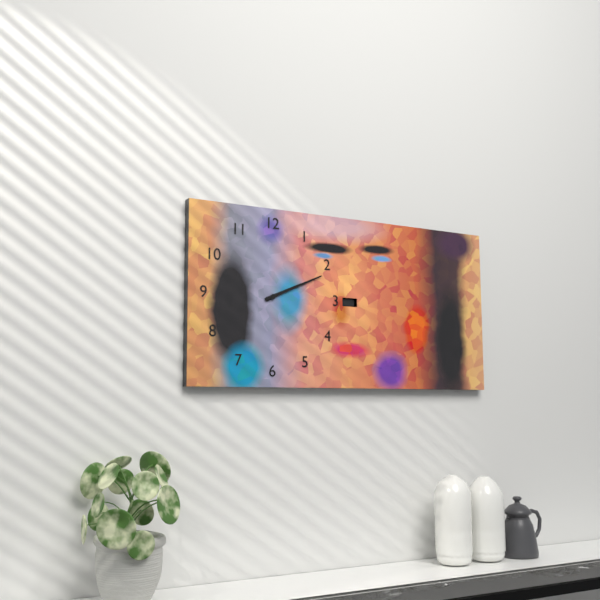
{"hour": 2, "minute": 11}
